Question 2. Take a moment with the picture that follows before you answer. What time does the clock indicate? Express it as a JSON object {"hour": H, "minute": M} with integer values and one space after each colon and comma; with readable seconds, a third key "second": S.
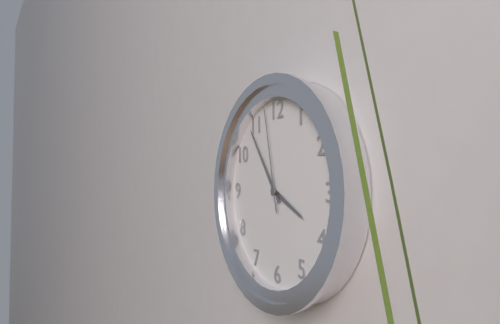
{"hour": 3, "minute": 54, "second": 58}
